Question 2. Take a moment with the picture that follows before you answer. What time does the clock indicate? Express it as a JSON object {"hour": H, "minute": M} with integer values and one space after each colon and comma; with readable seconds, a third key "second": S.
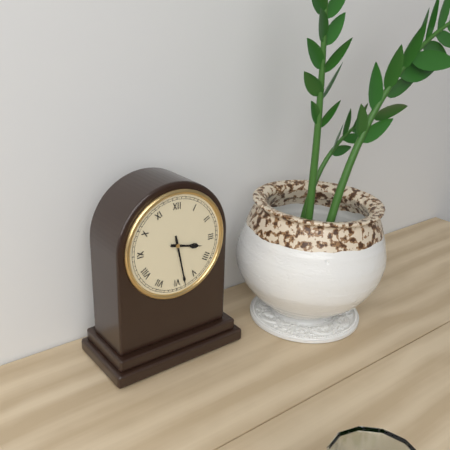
{"hour": 3, "minute": 28}
